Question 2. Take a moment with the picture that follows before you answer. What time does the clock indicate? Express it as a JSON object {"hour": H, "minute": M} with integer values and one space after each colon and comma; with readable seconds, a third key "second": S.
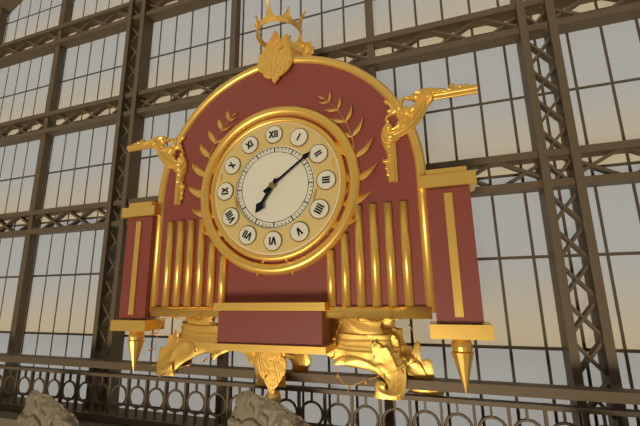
{"hour": 7, "minute": 9}
